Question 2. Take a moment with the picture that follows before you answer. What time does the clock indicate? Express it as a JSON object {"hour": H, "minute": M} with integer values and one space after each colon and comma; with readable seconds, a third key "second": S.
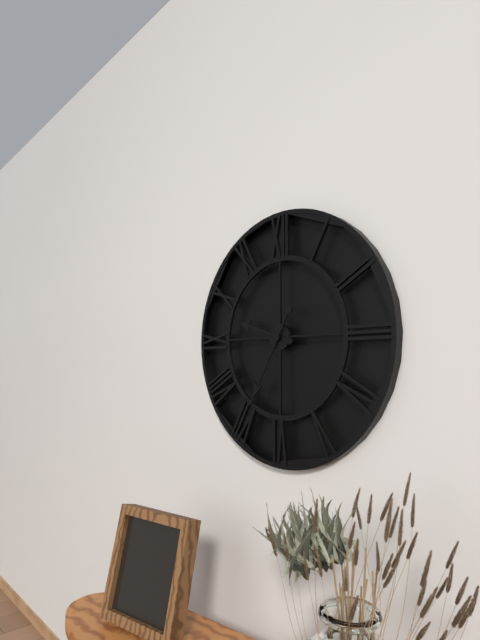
{"hour": 9, "minute": 35}
